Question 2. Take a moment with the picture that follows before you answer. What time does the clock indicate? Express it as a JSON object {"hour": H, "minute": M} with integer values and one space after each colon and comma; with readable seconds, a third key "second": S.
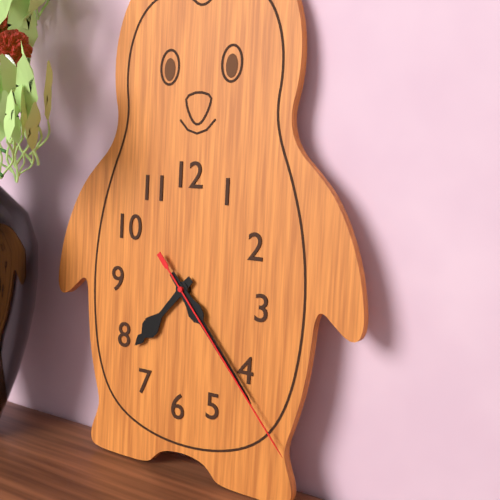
{"hour": 7, "minute": 23, "second": 23}
